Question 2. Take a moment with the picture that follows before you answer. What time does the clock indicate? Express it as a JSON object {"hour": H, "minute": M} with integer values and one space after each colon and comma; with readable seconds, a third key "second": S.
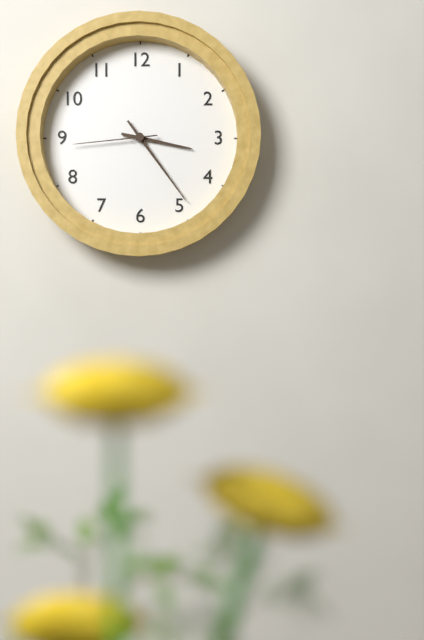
{"hour": 3, "minute": 24, "second": 44}
